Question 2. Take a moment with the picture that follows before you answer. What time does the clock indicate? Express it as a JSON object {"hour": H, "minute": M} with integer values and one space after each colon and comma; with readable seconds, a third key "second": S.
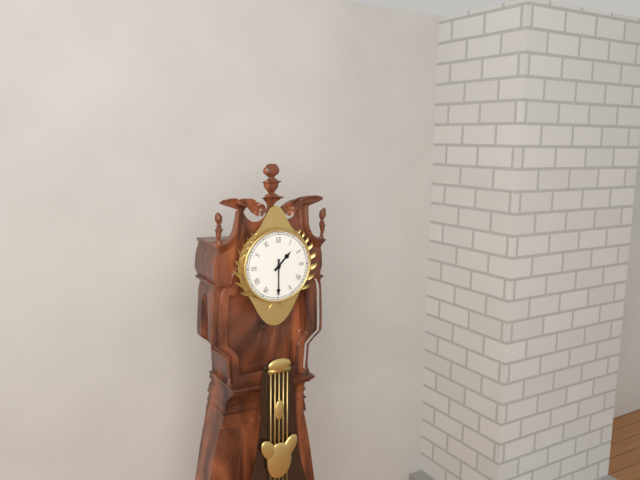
{"hour": 1, "minute": 30}
